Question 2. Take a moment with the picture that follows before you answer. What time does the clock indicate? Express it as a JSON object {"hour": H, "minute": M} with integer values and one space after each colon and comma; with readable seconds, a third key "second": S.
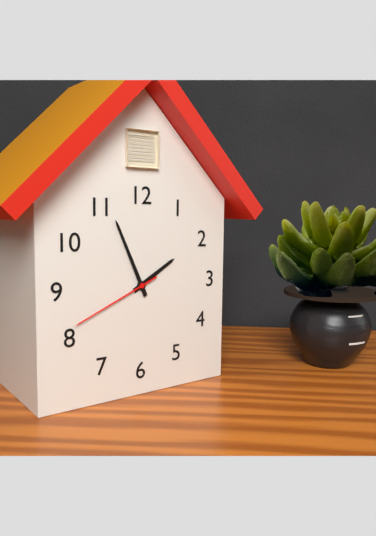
{"hour": 1, "minute": 56, "second": 41}
